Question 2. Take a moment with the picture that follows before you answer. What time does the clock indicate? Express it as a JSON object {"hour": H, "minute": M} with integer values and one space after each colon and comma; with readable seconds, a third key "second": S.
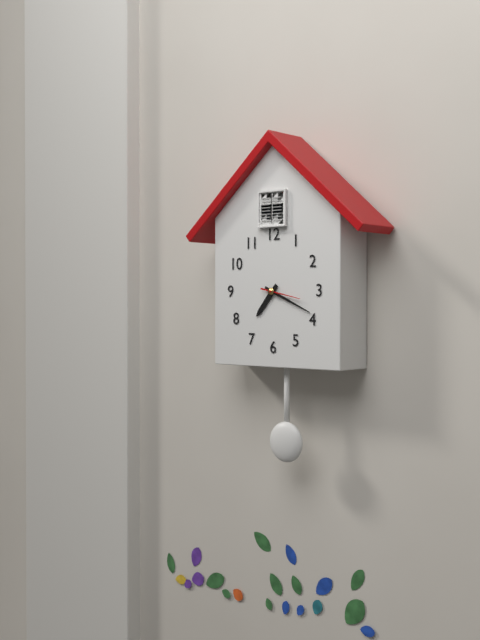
{"hour": 7, "minute": 19}
